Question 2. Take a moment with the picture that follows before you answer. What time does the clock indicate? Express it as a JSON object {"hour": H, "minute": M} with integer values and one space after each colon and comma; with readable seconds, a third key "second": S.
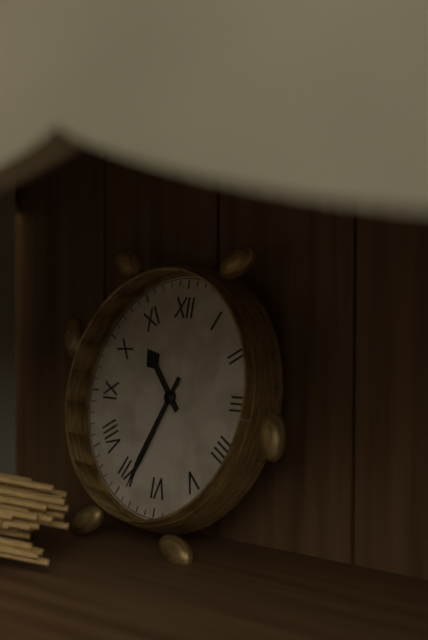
{"hour": 10, "minute": 34}
